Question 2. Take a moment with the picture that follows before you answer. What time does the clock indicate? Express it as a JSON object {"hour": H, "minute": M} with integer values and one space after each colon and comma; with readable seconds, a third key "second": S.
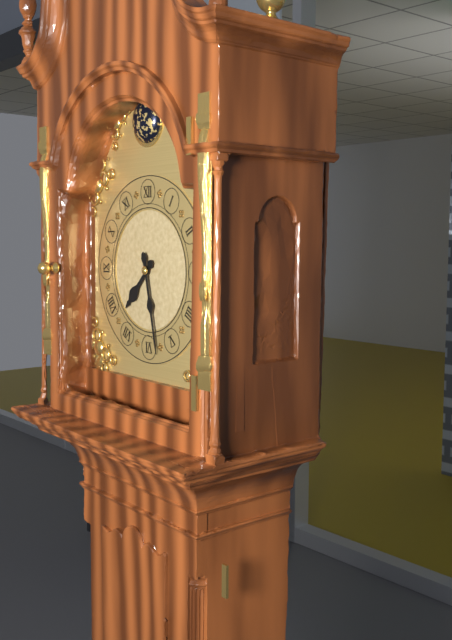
{"hour": 7, "minute": 28}
